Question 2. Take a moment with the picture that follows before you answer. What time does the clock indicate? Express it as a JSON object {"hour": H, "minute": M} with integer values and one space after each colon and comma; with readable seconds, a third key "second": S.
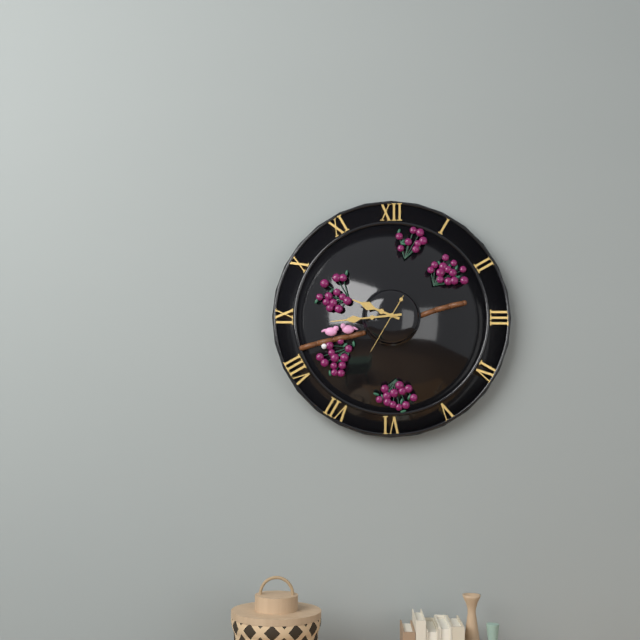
{"hour": 9, "minute": 44}
